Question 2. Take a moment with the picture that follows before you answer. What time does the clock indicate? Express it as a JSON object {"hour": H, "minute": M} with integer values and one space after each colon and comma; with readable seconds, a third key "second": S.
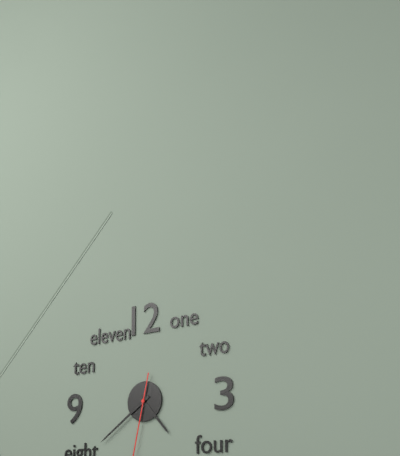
{"hour": 4, "minute": 39}
